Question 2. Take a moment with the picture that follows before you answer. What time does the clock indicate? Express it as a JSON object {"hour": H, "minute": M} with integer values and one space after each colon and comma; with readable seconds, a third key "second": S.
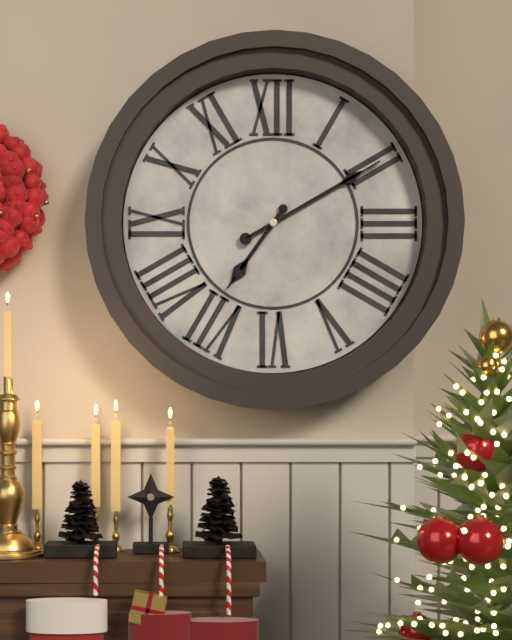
{"hour": 7, "minute": 10}
